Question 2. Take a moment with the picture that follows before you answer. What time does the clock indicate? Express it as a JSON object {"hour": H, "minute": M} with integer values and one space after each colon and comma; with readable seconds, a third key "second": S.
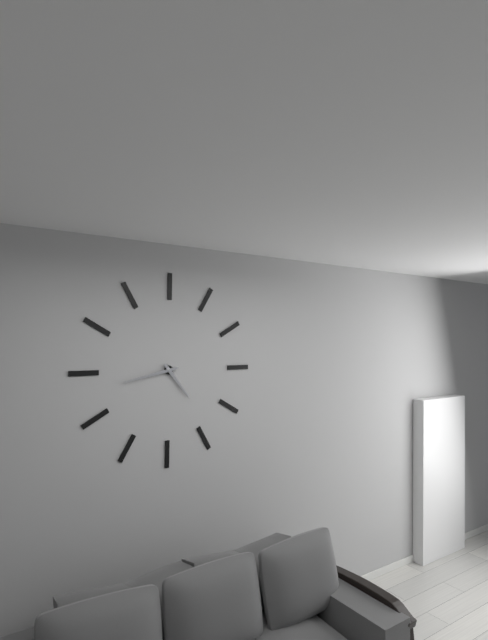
{"hour": 4, "minute": 43}
